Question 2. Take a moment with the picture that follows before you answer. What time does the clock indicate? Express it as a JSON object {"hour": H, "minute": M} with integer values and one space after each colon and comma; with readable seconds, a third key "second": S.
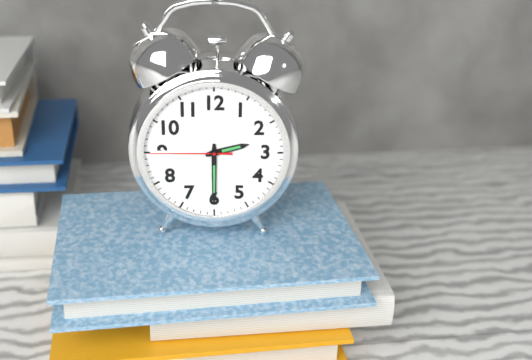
{"hour": 2, "minute": 30, "second": 45}
